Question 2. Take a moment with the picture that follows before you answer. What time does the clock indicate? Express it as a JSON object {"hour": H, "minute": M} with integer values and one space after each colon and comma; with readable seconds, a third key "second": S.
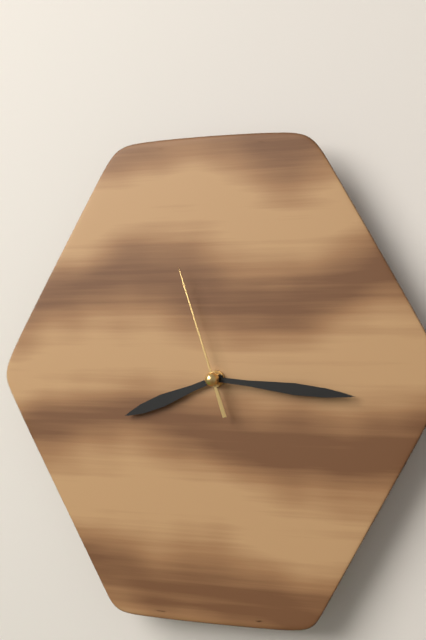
{"hour": 8, "minute": 16, "second": 57}
